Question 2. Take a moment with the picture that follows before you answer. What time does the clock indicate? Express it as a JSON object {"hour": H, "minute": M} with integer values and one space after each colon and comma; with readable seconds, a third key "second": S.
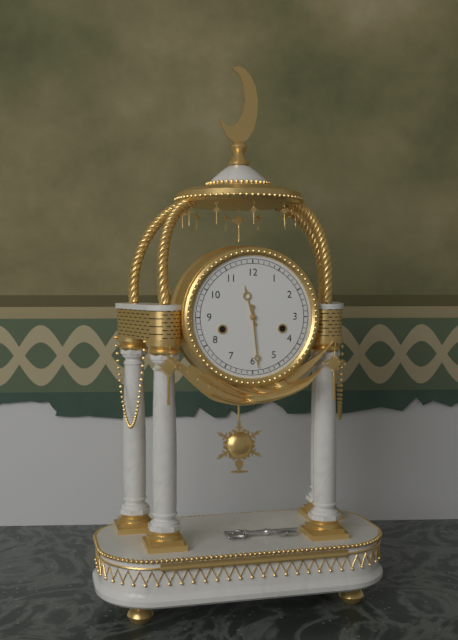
{"hour": 11, "minute": 29}
